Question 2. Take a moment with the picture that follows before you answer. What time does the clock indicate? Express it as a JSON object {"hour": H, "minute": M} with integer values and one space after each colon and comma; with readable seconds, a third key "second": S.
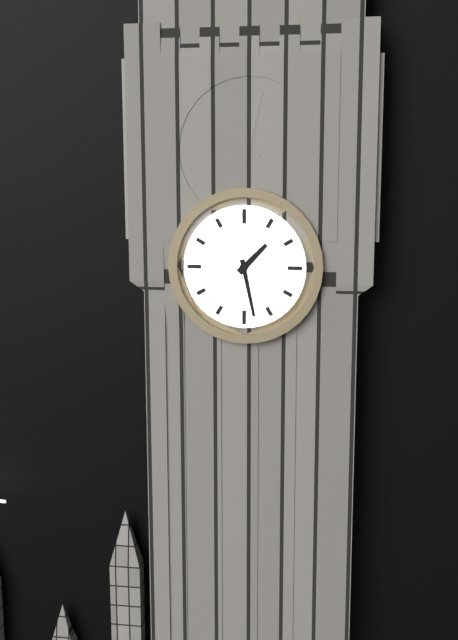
{"hour": 1, "minute": 28}
